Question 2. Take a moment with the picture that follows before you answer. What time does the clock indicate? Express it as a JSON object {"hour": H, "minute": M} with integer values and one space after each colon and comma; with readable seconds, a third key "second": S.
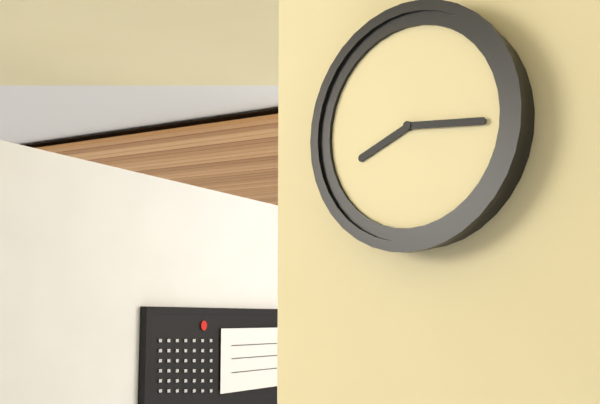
{"hour": 8, "minute": 16}
